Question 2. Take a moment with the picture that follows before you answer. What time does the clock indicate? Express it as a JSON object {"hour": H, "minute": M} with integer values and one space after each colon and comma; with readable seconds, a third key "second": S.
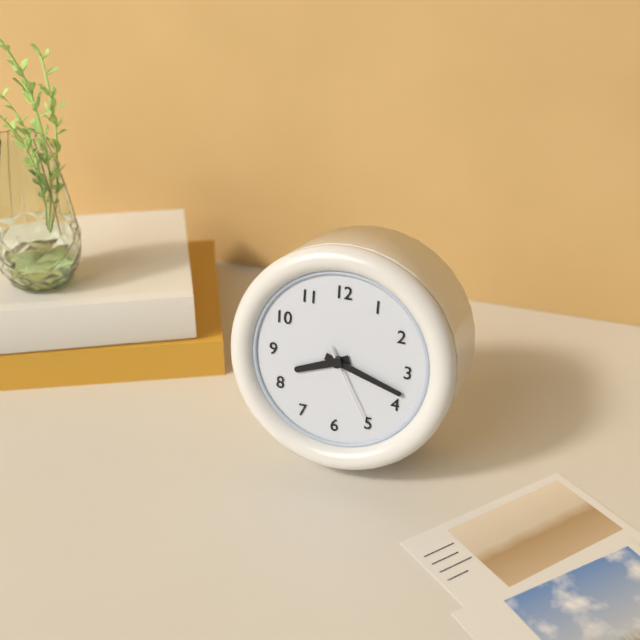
{"hour": 8, "minute": 18, "second": 25}
